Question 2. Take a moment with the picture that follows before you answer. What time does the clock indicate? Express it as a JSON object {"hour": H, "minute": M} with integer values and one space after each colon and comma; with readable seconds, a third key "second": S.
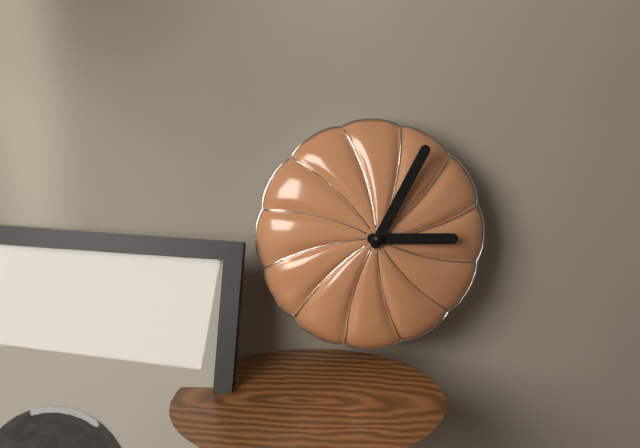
{"hour": 3, "minute": 5}
